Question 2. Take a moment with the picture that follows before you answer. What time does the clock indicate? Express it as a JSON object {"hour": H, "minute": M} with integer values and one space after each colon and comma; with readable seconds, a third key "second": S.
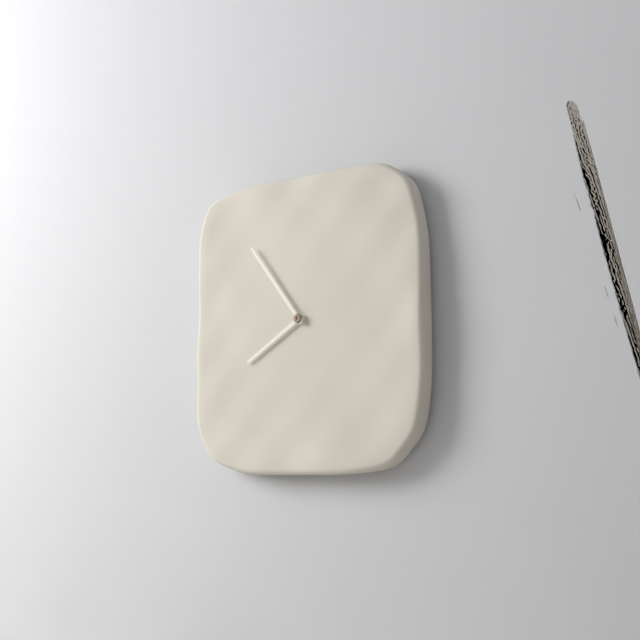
{"hour": 7, "minute": 54}
